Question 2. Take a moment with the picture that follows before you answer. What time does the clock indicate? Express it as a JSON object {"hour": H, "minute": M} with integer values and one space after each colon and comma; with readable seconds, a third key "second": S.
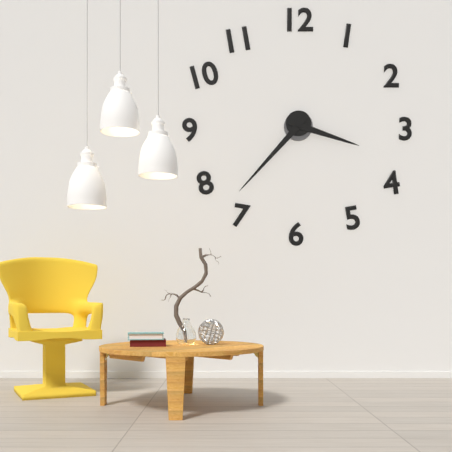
{"hour": 3, "minute": 37}
